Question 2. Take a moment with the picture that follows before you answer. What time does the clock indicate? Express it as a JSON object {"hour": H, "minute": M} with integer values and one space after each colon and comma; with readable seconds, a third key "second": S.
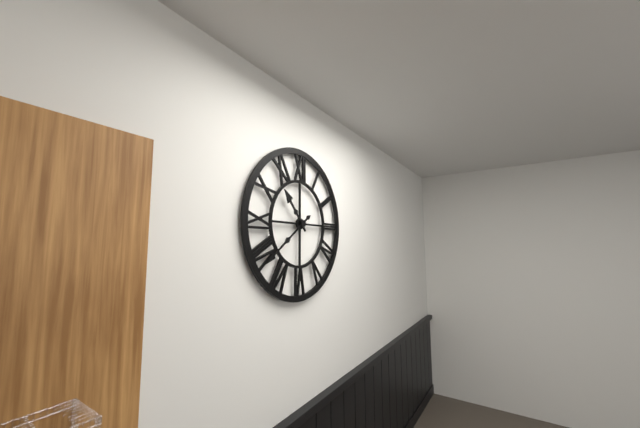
{"hour": 10, "minute": 39}
